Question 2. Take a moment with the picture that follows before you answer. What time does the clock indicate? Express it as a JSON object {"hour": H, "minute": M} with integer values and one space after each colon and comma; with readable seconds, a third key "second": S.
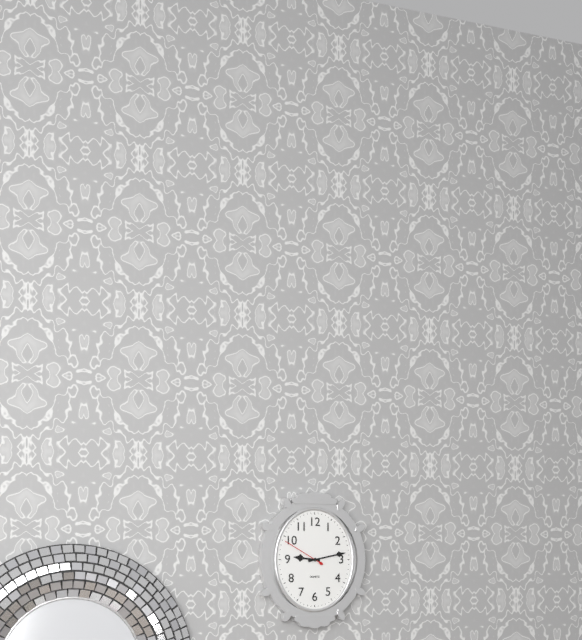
{"hour": 9, "minute": 13}
